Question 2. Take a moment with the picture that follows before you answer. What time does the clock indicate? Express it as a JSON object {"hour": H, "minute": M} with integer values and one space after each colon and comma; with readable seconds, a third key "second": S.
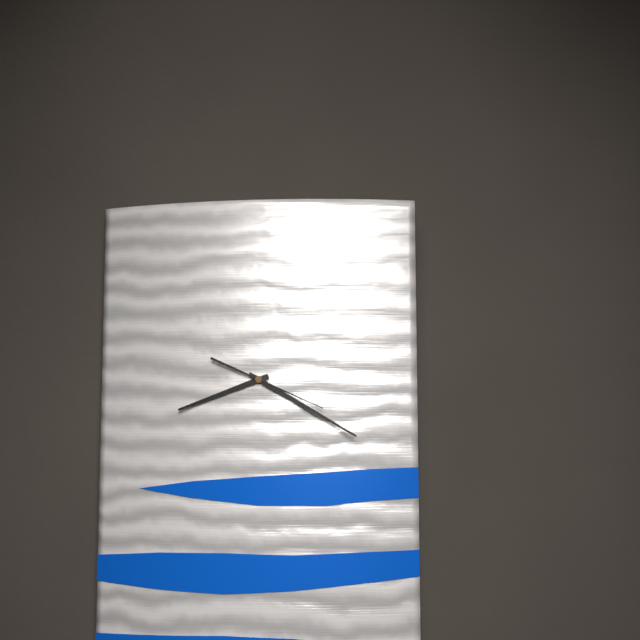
{"hour": 8, "minute": 20, "second": 19}
